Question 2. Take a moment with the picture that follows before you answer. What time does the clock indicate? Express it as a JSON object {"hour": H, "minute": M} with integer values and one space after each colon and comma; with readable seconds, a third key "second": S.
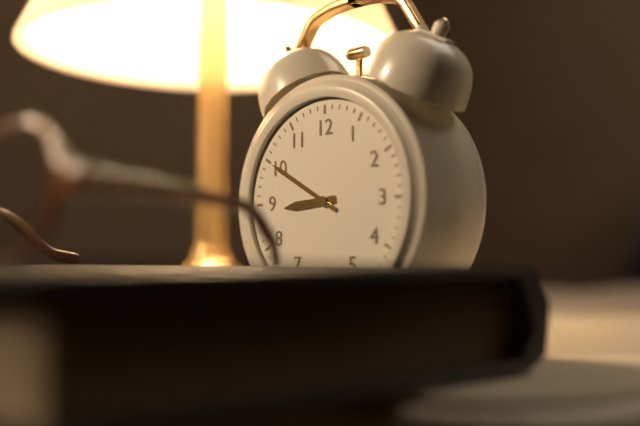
{"hour": 8, "minute": 50}
